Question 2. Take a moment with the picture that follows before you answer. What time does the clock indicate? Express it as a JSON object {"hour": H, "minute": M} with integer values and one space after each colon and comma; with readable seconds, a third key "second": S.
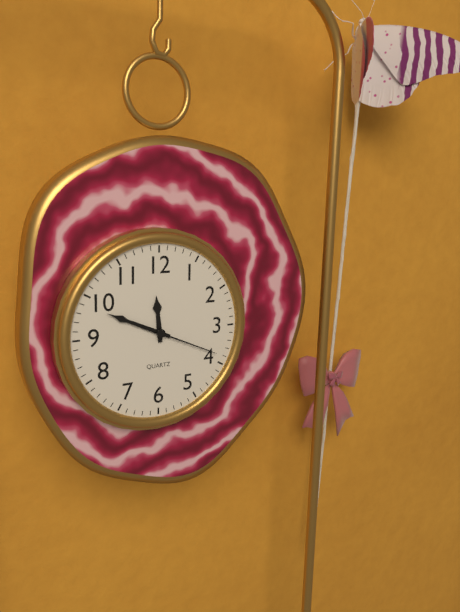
{"hour": 11, "minute": 49, "second": 19}
